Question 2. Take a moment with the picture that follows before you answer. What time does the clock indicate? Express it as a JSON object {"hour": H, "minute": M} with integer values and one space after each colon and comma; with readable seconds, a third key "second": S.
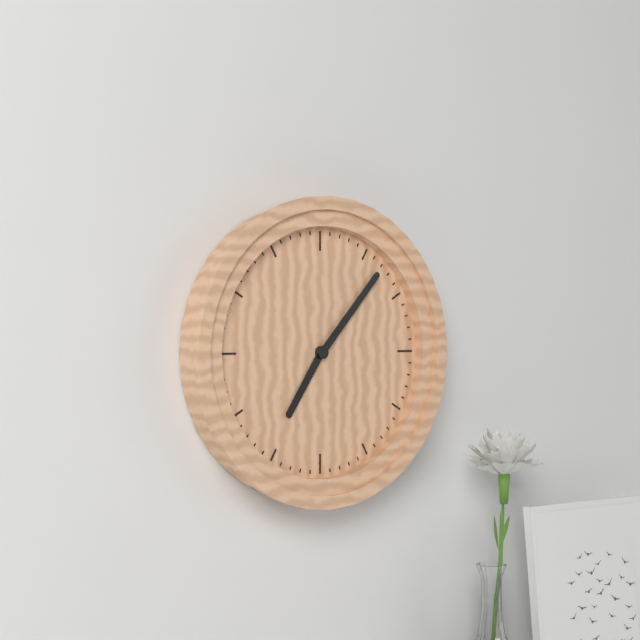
{"hour": 7, "minute": 7}
